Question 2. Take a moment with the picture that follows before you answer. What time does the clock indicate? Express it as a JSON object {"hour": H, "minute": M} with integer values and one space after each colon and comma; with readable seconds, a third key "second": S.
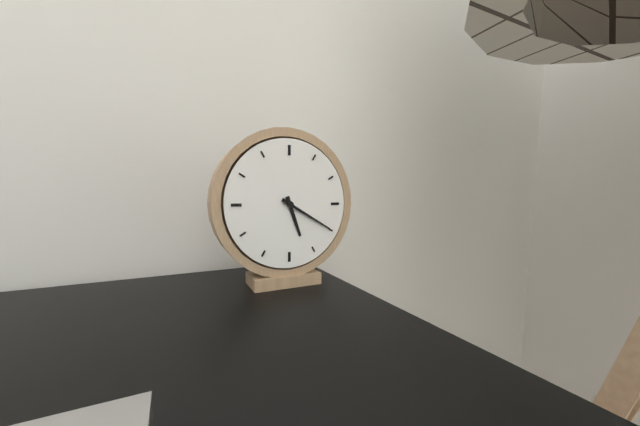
{"hour": 5, "minute": 20}
